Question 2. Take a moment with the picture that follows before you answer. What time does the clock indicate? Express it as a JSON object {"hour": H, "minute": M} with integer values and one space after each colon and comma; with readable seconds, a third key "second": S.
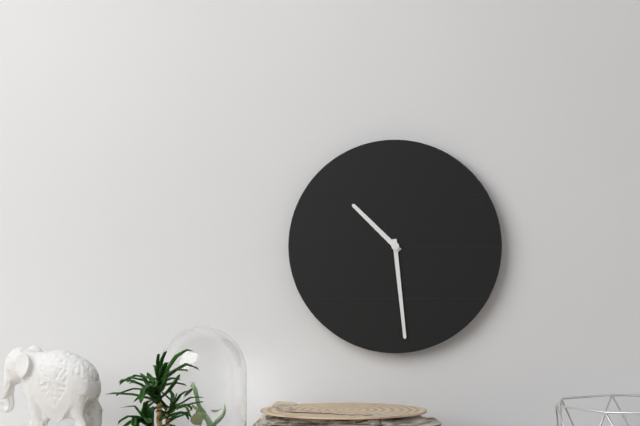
{"hour": 10, "minute": 29}
